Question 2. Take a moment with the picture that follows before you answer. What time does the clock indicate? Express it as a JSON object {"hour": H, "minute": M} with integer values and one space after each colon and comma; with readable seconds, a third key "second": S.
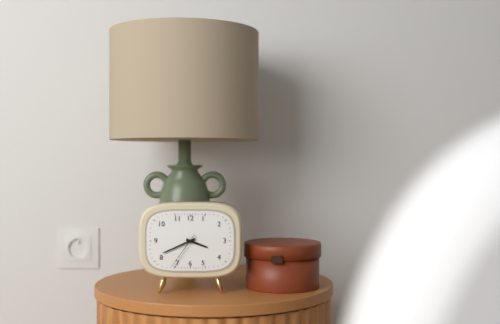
{"hour": 3, "minute": 41}
